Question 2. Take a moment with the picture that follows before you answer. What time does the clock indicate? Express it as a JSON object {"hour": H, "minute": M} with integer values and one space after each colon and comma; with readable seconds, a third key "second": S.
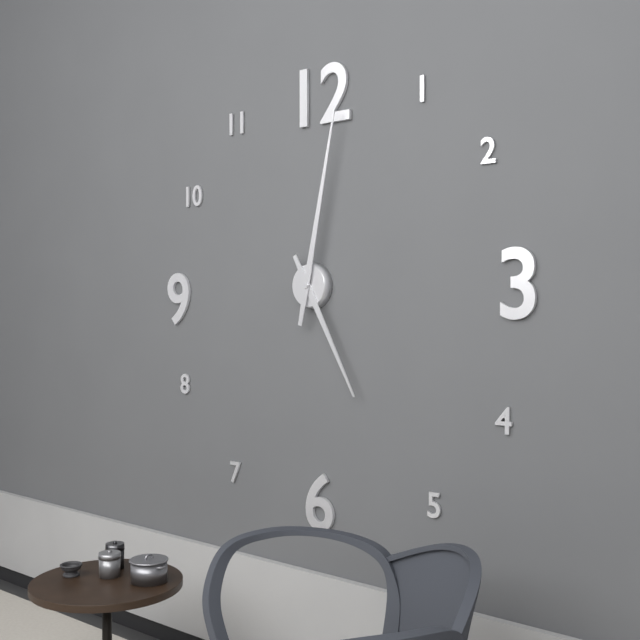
{"hour": 5, "minute": 2}
